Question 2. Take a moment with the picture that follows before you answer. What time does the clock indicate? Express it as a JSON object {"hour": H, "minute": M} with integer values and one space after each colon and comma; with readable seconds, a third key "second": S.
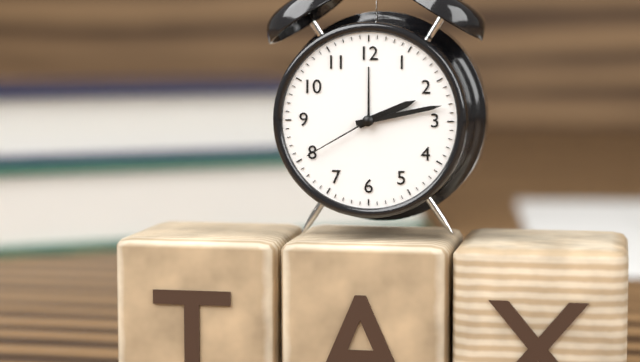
{"hour": 2, "minute": 13, "second": 40}
